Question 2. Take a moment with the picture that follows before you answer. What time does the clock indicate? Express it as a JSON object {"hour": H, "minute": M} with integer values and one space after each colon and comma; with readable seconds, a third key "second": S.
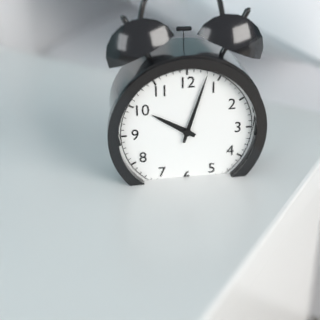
{"hour": 10, "minute": 3}
